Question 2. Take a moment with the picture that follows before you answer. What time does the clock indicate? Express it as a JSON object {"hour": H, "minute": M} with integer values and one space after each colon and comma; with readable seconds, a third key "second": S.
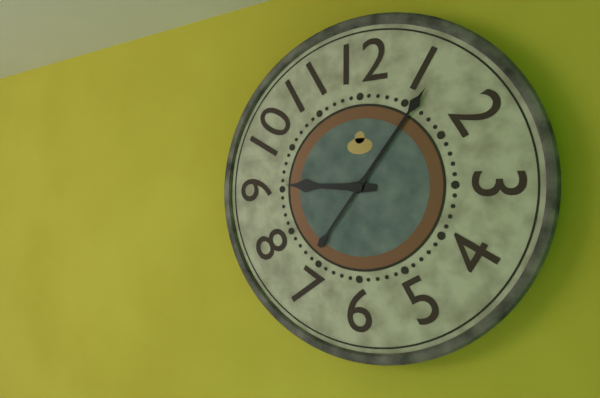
{"hour": 9, "minute": 6}
